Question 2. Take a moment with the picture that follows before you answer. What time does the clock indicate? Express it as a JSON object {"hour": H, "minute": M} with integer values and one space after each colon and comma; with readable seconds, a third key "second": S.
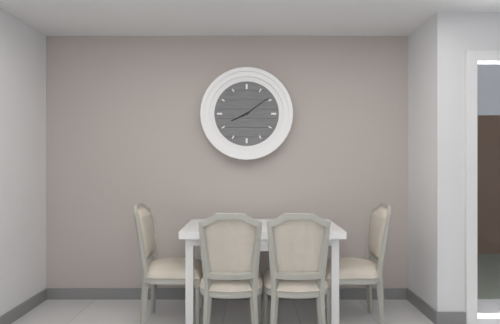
{"hour": 8, "minute": 9}
